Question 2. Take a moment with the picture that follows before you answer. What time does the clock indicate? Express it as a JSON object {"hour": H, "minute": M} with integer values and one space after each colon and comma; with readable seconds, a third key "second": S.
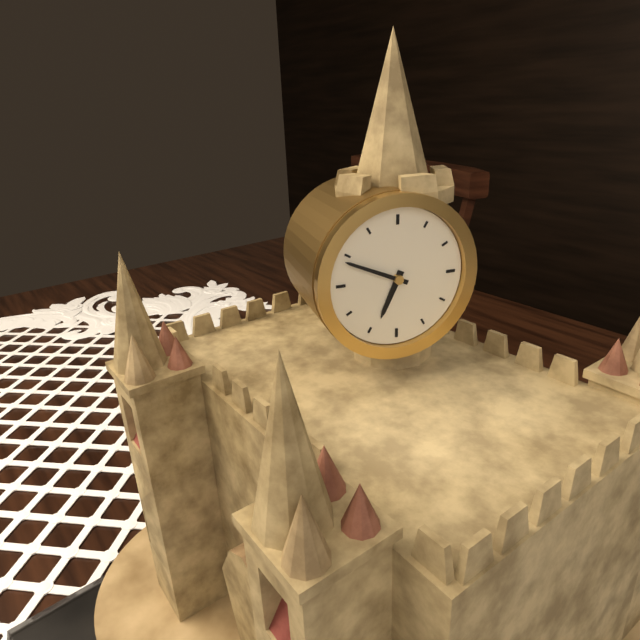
{"hour": 6, "minute": 49}
